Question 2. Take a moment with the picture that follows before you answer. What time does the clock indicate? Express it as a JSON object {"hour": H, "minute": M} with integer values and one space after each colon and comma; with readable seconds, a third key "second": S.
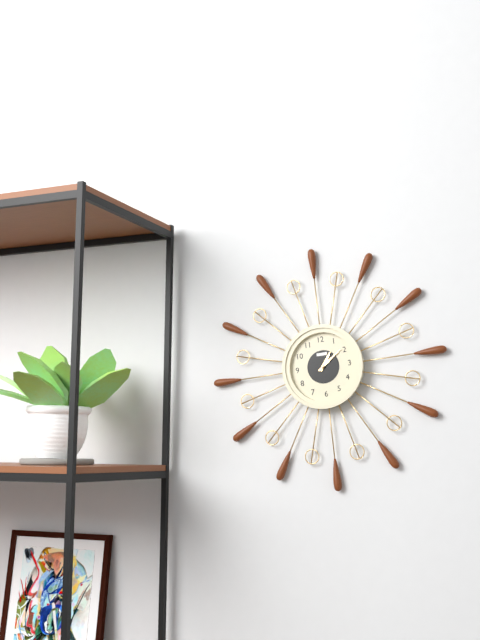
{"hour": 1, "minute": 9}
